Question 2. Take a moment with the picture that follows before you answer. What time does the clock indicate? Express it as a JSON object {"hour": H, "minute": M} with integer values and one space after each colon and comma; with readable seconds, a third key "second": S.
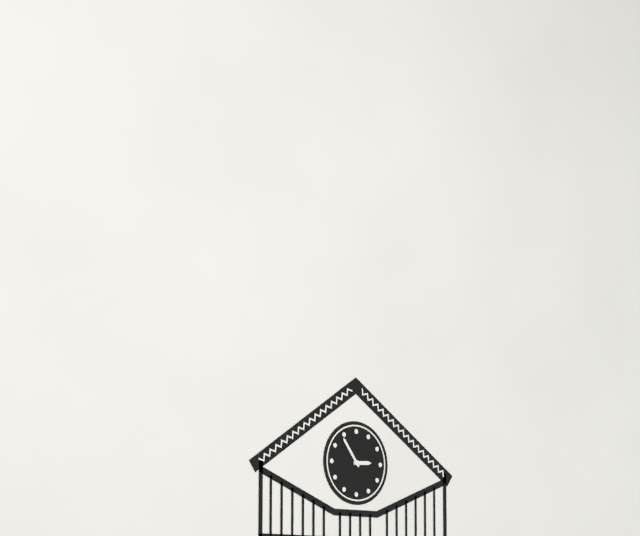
{"hour": 2, "minute": 54}
